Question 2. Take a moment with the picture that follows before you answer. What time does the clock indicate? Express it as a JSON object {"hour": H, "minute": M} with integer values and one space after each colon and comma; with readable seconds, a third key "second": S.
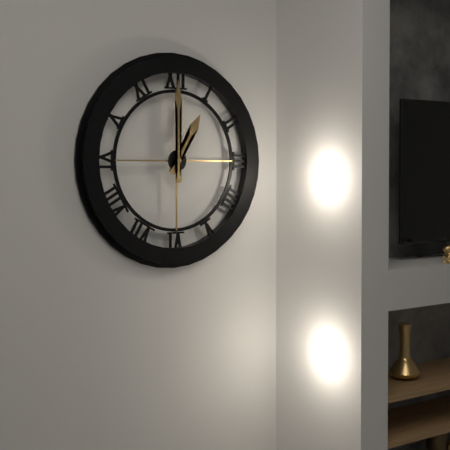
{"hour": 1, "minute": 0}
